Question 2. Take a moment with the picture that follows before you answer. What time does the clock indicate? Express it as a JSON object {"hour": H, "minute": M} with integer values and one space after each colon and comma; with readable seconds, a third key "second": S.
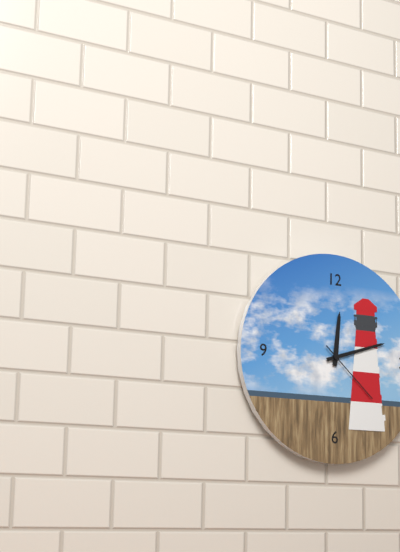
{"hour": 12, "minute": 12, "second": 22}
